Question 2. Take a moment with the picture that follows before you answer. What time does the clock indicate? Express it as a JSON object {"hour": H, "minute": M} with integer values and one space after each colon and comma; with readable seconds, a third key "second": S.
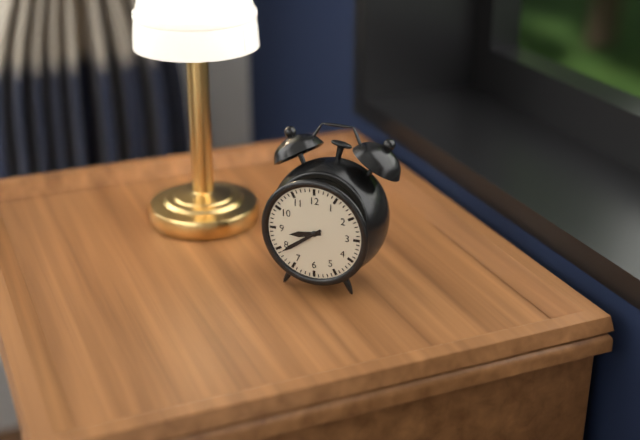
{"hour": 8, "minute": 39}
